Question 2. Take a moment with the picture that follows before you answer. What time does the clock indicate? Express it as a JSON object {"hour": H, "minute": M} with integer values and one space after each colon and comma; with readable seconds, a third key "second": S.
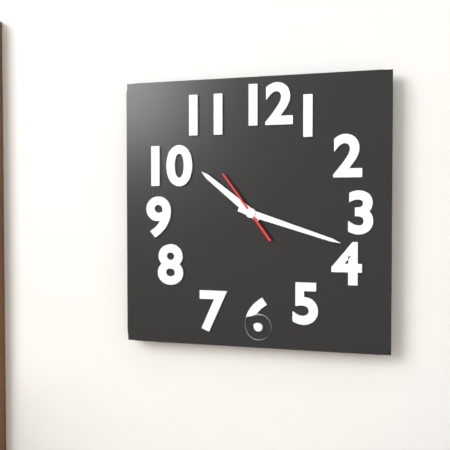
{"hour": 10, "minute": 18, "second": 54}
